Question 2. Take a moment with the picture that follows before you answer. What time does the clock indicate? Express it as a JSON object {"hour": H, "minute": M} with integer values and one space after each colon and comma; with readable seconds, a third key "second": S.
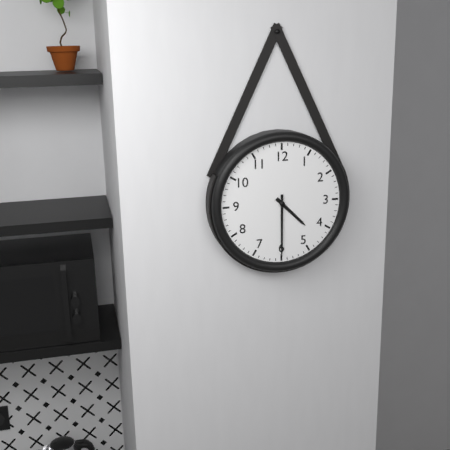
{"hour": 4, "minute": 30}
